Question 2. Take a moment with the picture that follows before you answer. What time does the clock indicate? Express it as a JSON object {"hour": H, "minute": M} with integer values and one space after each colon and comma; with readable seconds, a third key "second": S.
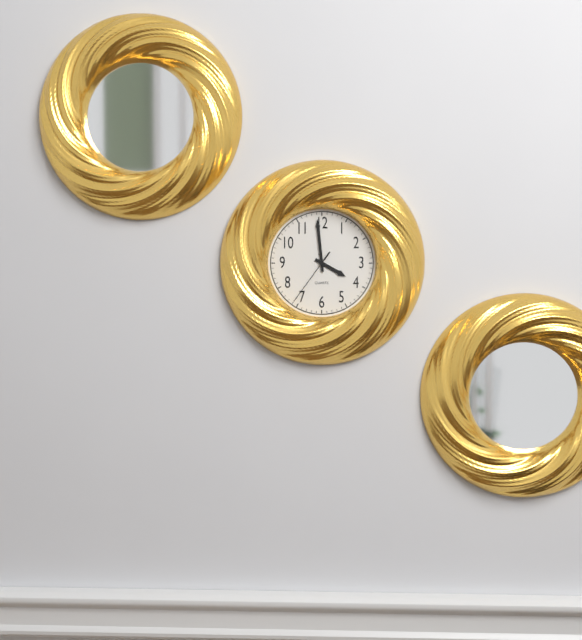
{"hour": 3, "minute": 59, "second": 36}
